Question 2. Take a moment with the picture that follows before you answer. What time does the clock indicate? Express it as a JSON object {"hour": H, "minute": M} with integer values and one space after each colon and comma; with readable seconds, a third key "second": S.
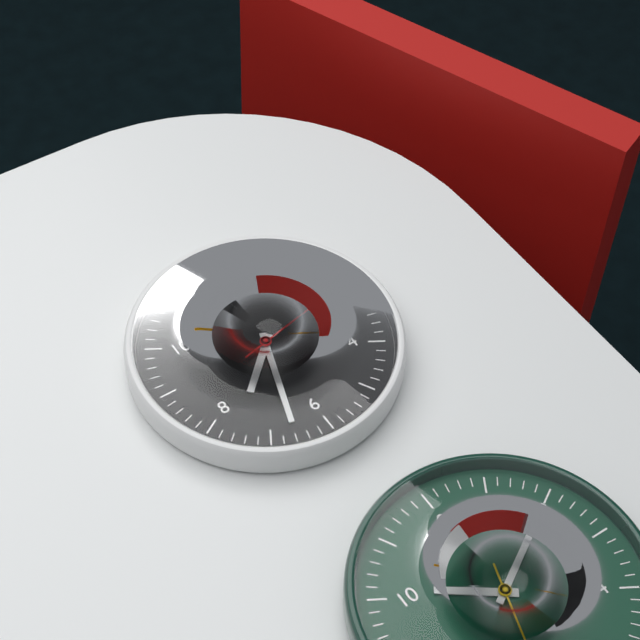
{"hour": 7, "minute": 33, "second": 13}
